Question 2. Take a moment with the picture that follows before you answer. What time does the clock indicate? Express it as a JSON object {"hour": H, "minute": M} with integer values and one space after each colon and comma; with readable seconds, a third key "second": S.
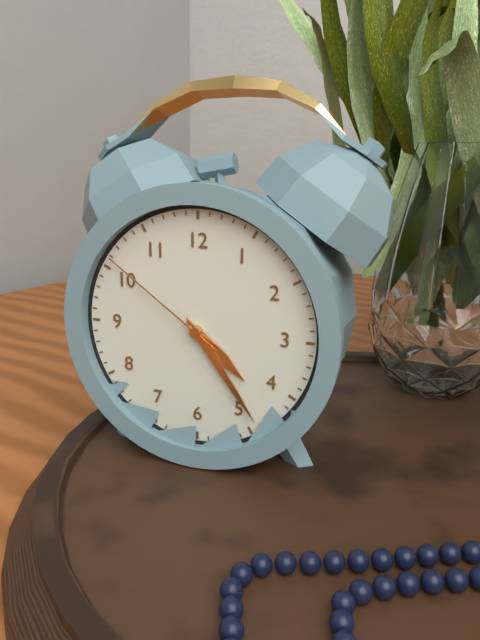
{"hour": 4, "minute": 24, "second": 51}
